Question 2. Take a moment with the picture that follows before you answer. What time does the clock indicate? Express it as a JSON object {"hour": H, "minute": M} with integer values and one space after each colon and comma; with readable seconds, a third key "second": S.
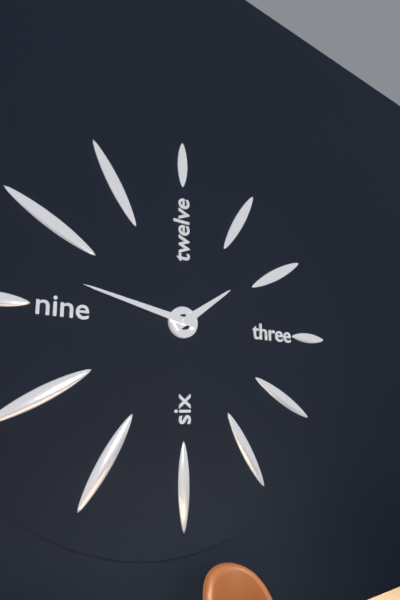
{"hour": 1, "minute": 47}
